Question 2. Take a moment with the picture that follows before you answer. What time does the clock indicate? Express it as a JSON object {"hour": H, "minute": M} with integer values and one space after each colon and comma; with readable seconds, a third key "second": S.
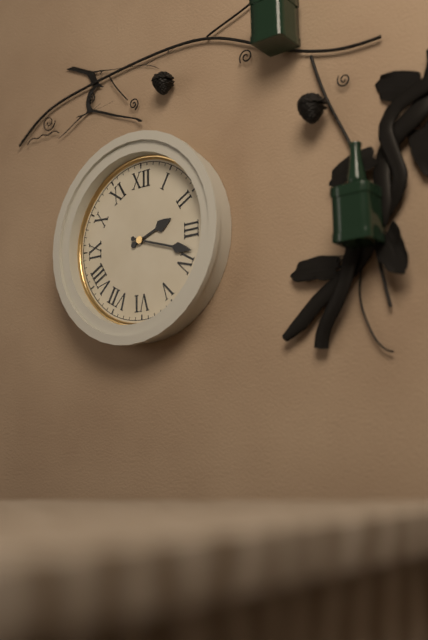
{"hour": 2, "minute": 18}
